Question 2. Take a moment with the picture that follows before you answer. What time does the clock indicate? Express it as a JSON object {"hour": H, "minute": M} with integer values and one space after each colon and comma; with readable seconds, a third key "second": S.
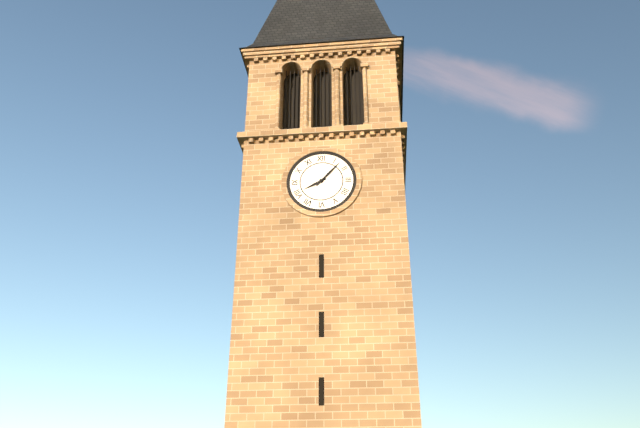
{"hour": 8, "minute": 7}
